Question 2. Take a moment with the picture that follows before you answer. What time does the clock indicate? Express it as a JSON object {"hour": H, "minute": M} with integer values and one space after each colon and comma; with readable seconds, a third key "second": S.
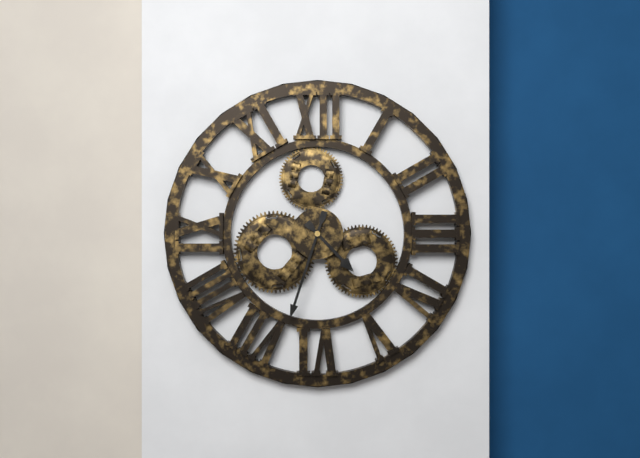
{"hour": 4, "minute": 33}
